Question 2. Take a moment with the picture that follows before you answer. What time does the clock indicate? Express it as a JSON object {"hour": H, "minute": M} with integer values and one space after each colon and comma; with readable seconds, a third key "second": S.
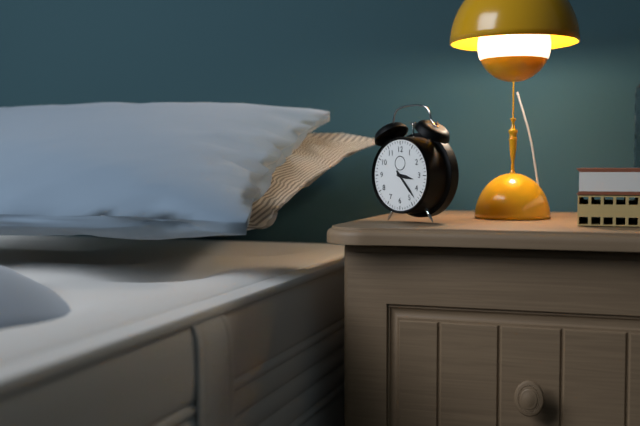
{"hour": 3, "minute": 23}
